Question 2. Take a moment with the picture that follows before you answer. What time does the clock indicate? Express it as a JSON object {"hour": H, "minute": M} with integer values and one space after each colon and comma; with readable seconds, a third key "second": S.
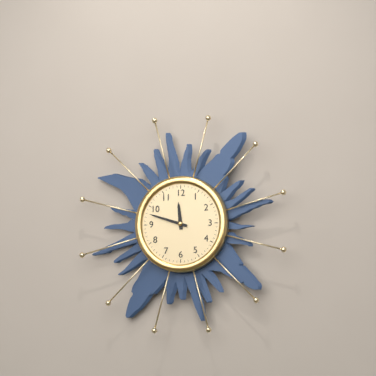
{"hour": 11, "minute": 48}
